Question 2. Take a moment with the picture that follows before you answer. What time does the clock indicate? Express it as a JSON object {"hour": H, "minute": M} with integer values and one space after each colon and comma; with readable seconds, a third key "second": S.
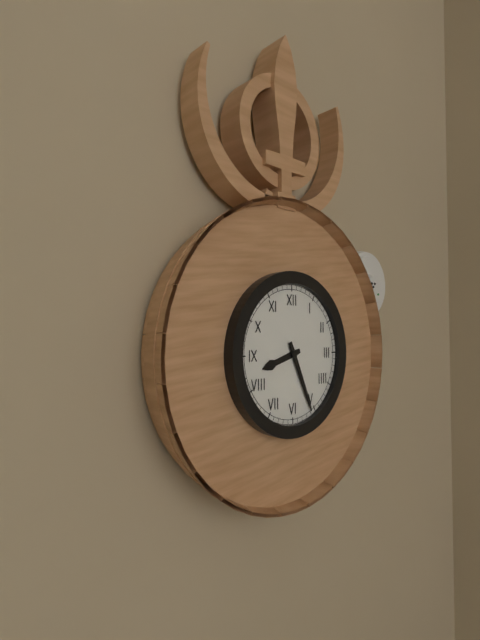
{"hour": 8, "minute": 26}
